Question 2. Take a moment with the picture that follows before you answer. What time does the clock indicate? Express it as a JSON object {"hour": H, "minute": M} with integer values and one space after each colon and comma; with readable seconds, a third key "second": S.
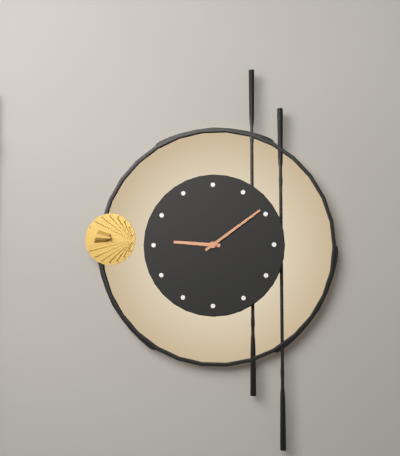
{"hour": 9, "minute": 9}
